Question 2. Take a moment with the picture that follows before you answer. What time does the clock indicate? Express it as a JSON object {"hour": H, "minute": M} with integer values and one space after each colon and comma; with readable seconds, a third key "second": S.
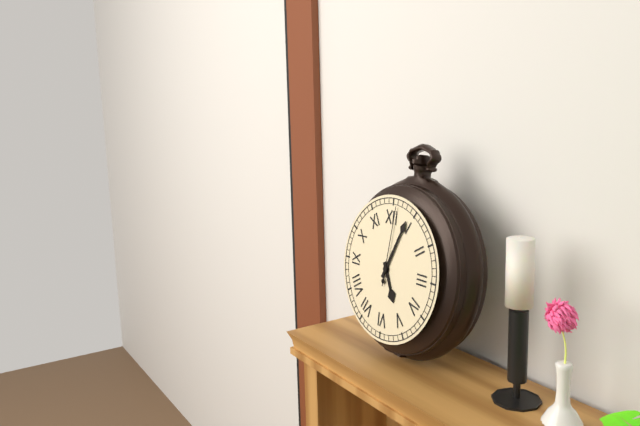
{"hour": 5, "minute": 4, "second": 1}
